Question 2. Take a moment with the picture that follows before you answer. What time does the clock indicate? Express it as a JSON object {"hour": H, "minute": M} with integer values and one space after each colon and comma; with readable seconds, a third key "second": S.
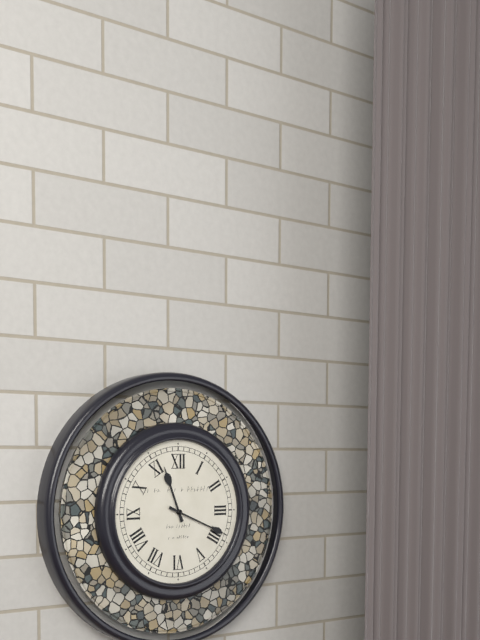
{"hour": 11, "minute": 19}
